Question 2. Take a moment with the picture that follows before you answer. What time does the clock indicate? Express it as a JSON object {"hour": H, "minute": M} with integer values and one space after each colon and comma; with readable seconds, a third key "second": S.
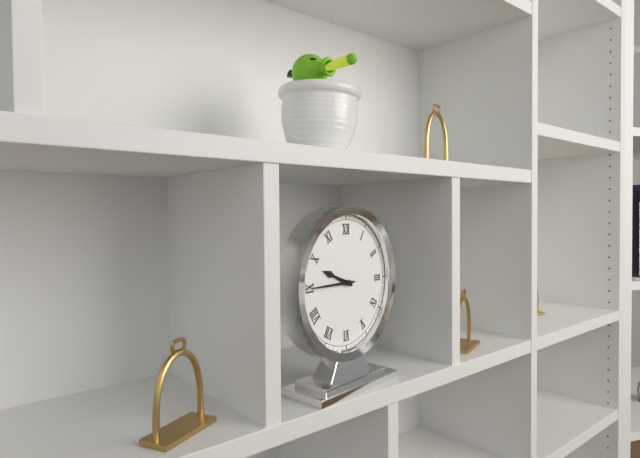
{"hour": 9, "minute": 45}
